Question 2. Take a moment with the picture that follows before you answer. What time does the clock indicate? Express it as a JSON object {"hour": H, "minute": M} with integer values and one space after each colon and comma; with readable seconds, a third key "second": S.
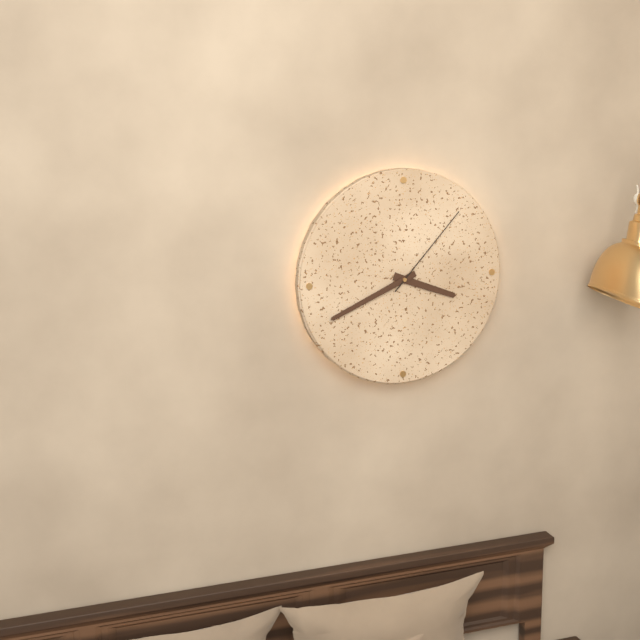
{"hour": 3, "minute": 41, "second": 7}
